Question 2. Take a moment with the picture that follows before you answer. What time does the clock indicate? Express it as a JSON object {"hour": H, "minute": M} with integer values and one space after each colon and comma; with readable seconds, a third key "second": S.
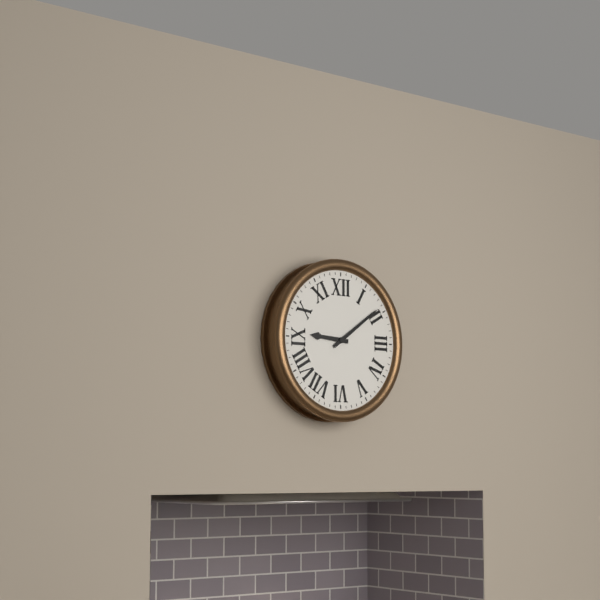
{"hour": 9, "minute": 9}
